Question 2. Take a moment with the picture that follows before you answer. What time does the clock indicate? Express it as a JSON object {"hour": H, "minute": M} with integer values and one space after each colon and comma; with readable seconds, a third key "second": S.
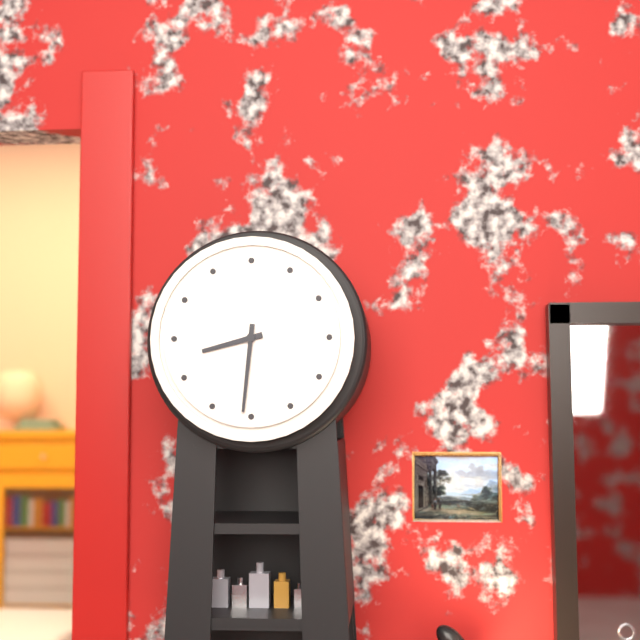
{"hour": 8, "minute": 31}
